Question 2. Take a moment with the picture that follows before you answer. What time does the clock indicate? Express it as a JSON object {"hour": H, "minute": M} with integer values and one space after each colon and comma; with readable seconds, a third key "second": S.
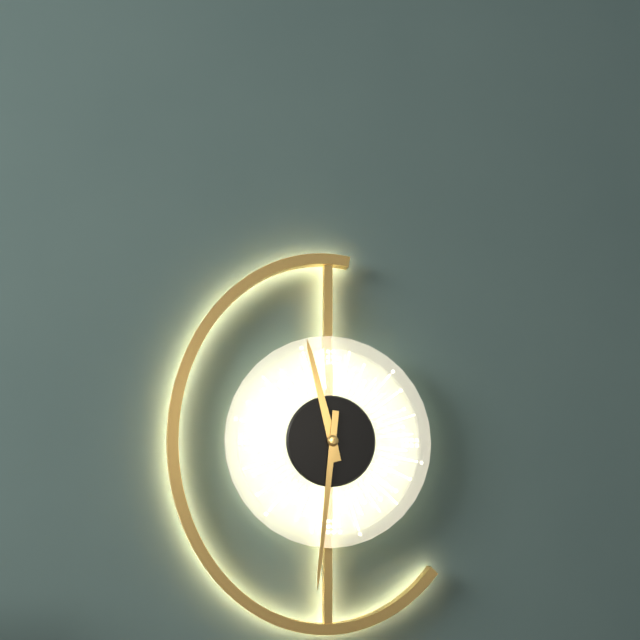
{"hour": 11, "minute": 31}
